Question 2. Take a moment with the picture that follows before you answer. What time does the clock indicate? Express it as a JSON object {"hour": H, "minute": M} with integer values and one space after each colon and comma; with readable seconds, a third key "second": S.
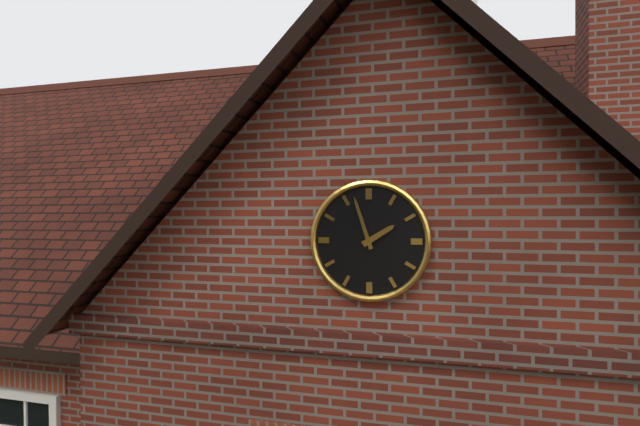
{"hour": 1, "minute": 57}
